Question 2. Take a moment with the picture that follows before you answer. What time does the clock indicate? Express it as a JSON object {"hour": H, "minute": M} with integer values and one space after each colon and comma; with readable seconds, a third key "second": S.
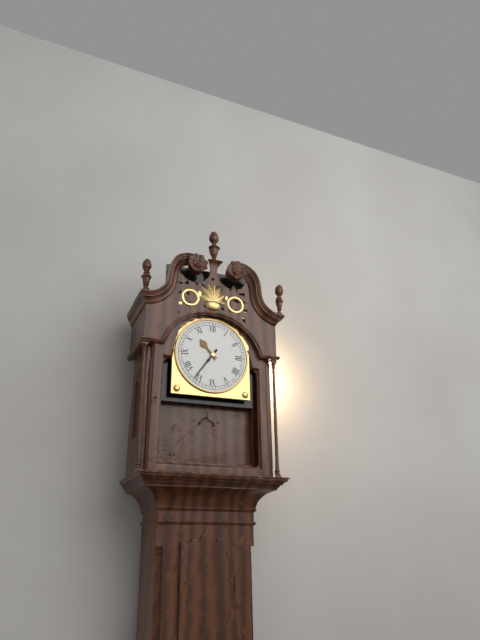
{"hour": 10, "minute": 36}
